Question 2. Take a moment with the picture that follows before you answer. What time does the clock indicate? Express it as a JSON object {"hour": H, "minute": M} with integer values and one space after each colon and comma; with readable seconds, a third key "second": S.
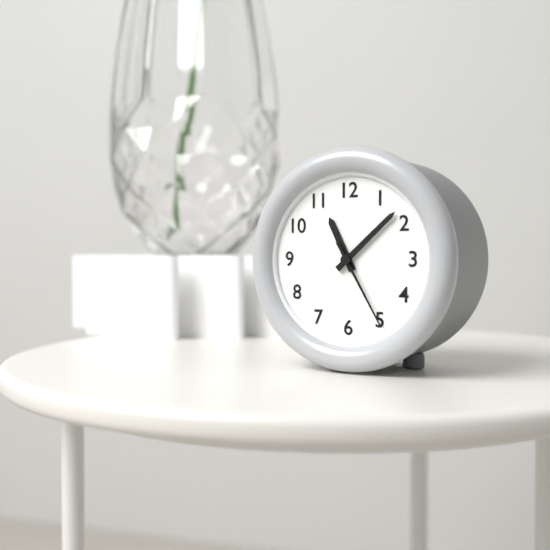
{"hour": 11, "minute": 8, "second": 25}
